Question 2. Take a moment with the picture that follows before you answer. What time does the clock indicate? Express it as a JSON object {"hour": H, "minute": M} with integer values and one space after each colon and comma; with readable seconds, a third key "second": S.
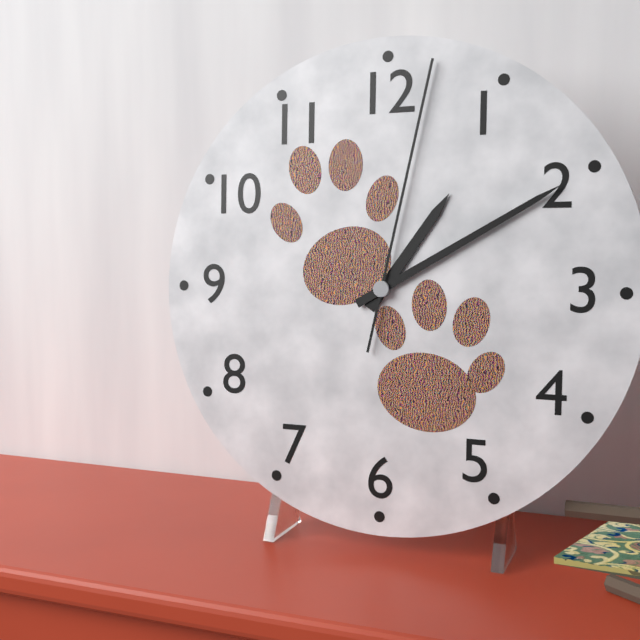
{"hour": 1, "minute": 10, "second": 2}
